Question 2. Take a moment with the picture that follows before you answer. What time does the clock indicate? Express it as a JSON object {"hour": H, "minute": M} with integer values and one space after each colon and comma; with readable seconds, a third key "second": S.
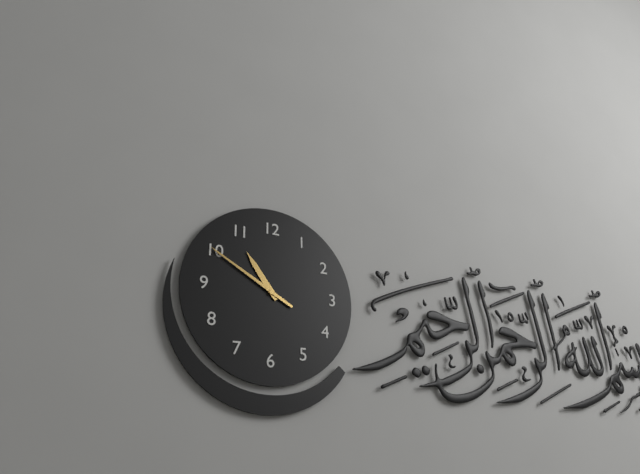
{"hour": 10, "minute": 50}
